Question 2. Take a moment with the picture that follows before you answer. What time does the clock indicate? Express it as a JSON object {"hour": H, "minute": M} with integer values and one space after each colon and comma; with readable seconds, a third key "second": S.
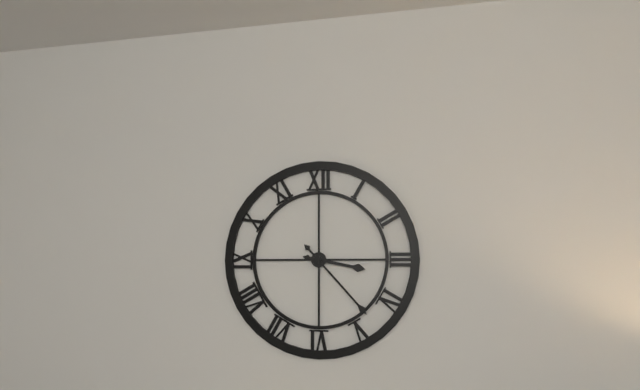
{"hour": 3, "minute": 23}
